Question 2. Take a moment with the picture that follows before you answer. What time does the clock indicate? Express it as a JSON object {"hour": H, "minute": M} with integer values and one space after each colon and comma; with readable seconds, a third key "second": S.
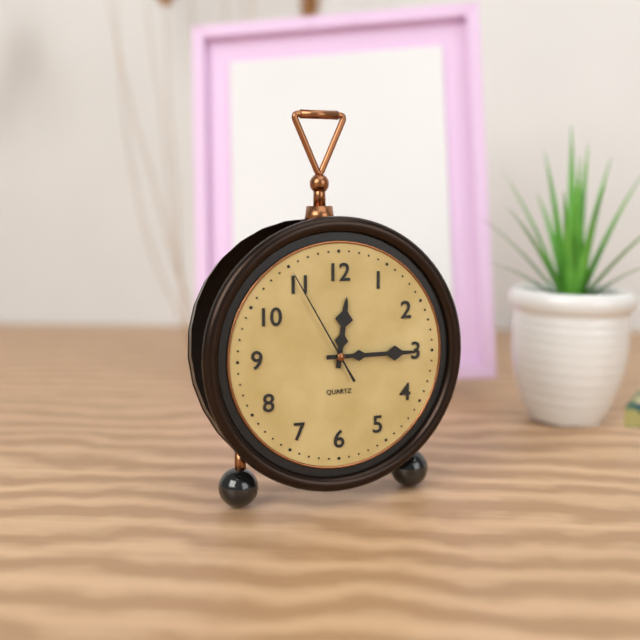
{"hour": 12, "minute": 15, "second": 55}
